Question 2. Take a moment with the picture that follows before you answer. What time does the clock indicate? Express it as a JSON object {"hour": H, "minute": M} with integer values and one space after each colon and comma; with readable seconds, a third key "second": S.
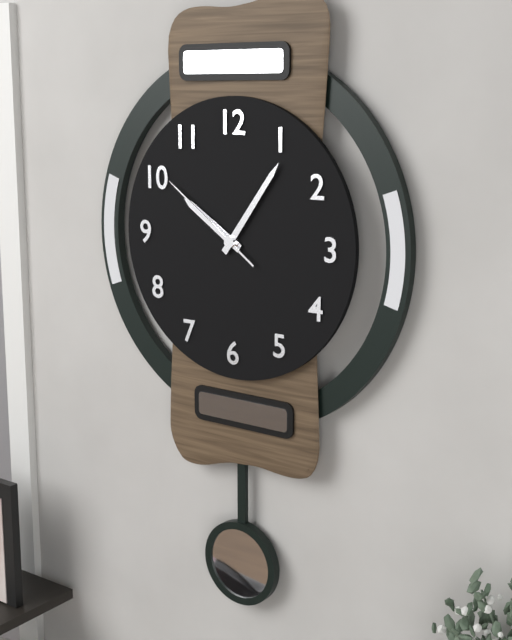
{"hour": 10, "minute": 6, "second": 51}
